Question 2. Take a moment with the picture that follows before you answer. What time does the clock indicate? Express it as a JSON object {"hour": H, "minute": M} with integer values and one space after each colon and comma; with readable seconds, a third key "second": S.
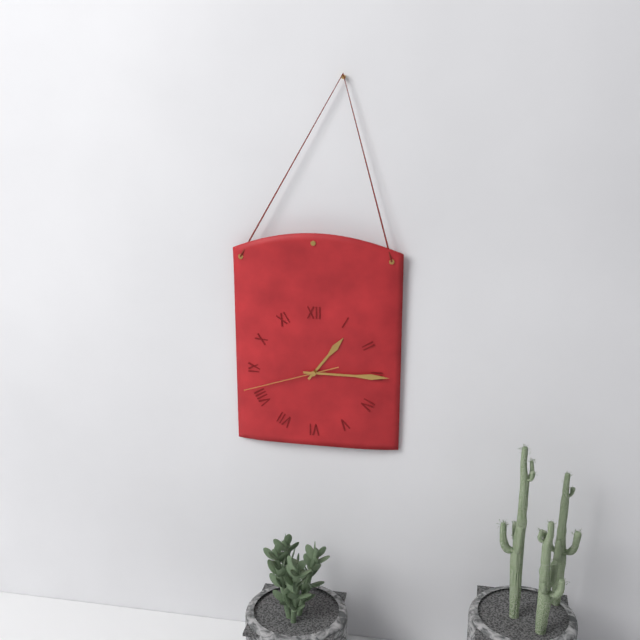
{"hour": 1, "minute": 15, "second": 42}
